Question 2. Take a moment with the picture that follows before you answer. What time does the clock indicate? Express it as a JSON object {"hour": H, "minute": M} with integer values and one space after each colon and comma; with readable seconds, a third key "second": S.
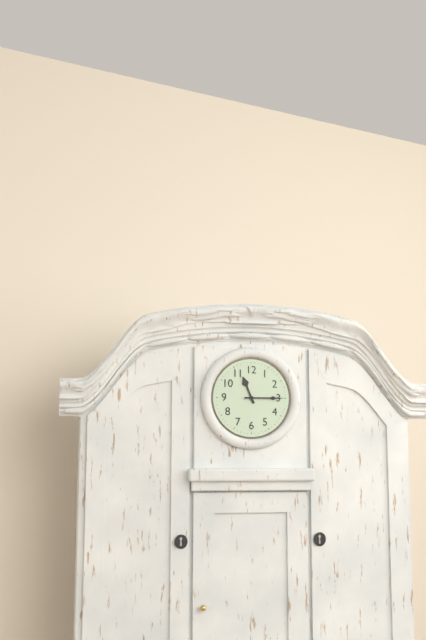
{"hour": 11, "minute": 15}
